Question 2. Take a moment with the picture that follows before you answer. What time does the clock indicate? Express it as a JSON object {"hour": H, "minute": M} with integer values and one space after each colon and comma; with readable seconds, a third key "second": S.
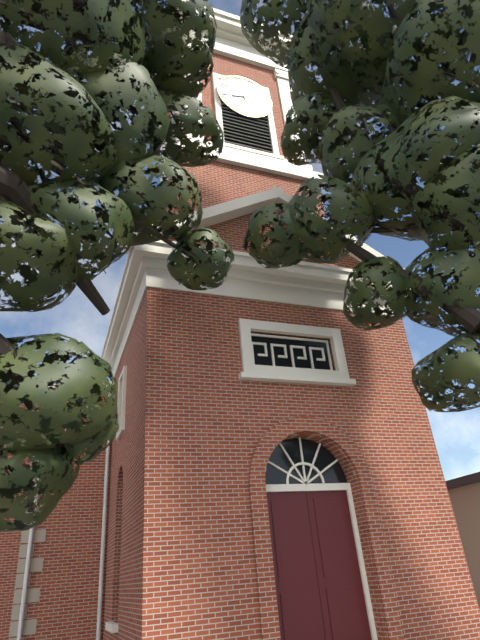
{"hour": 5, "minute": 43}
